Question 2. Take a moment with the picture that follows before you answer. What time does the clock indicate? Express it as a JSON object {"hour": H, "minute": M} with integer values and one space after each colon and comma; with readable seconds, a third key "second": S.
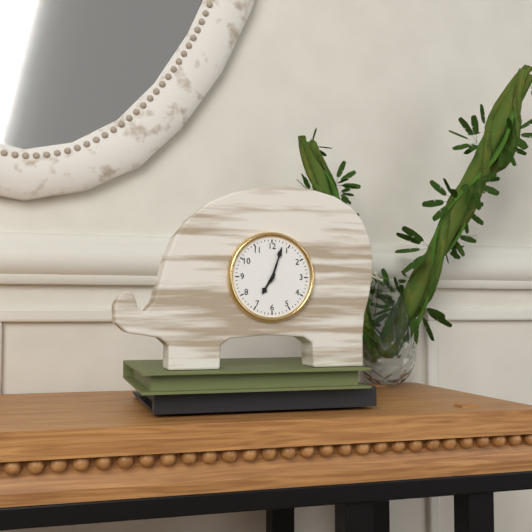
{"hour": 7, "minute": 3}
